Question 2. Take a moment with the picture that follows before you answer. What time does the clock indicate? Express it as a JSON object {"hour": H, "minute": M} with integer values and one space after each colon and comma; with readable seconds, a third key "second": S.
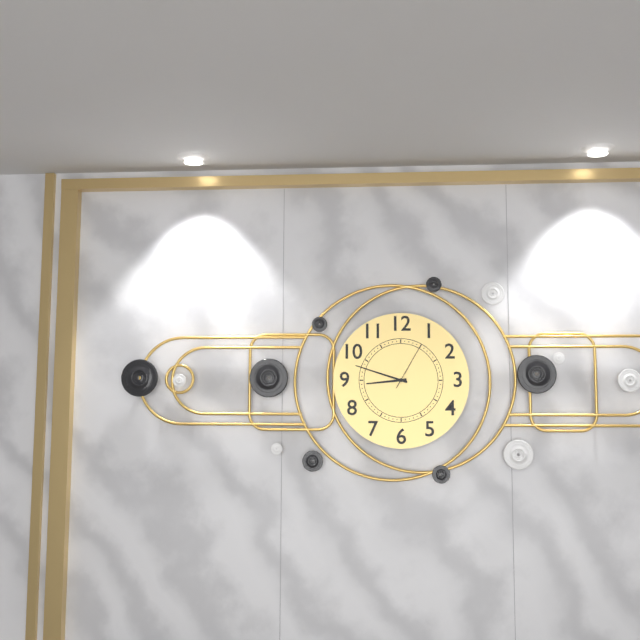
{"hour": 8, "minute": 48, "second": 5}
